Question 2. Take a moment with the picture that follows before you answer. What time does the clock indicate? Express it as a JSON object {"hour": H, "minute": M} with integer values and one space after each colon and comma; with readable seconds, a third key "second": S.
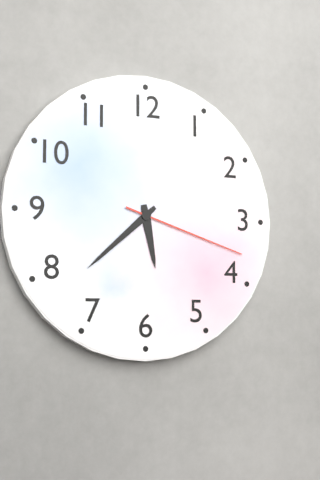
{"hour": 5, "minute": 38, "second": 18}
